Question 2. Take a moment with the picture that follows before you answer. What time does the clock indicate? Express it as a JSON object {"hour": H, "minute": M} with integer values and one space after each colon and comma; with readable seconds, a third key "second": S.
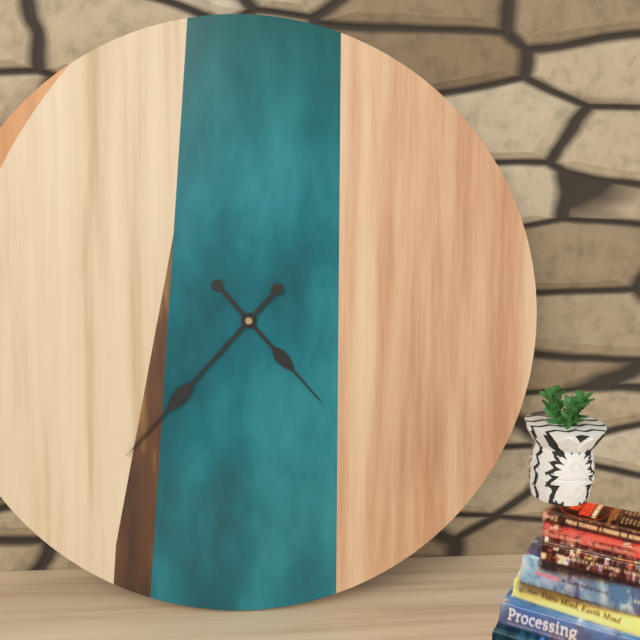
{"hour": 4, "minute": 37}
